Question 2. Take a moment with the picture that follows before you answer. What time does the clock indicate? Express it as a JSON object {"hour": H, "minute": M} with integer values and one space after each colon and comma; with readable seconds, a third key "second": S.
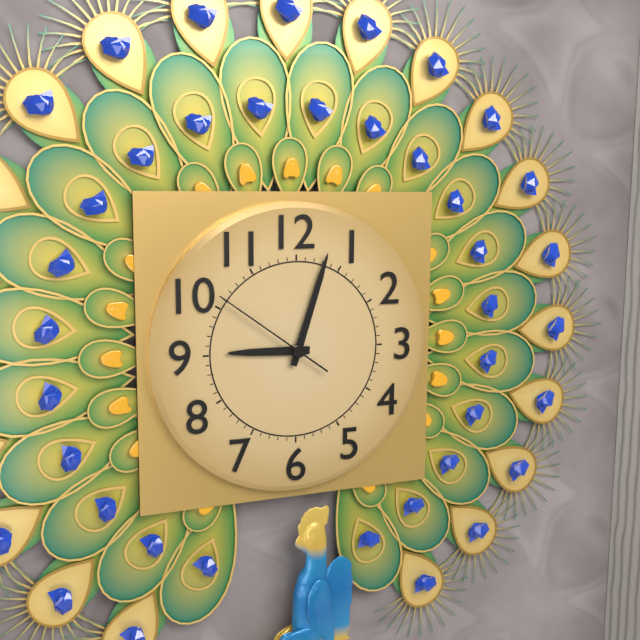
{"hour": 9, "minute": 3, "second": 51}
